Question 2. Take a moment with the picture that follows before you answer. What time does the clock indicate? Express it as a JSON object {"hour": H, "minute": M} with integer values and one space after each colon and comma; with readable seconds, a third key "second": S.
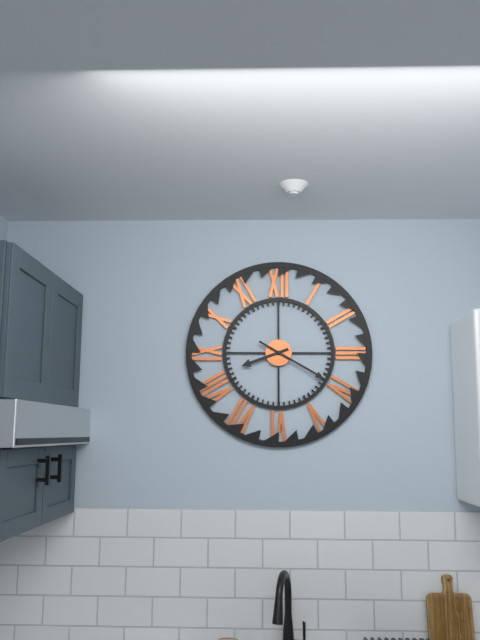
{"hour": 8, "minute": 20}
